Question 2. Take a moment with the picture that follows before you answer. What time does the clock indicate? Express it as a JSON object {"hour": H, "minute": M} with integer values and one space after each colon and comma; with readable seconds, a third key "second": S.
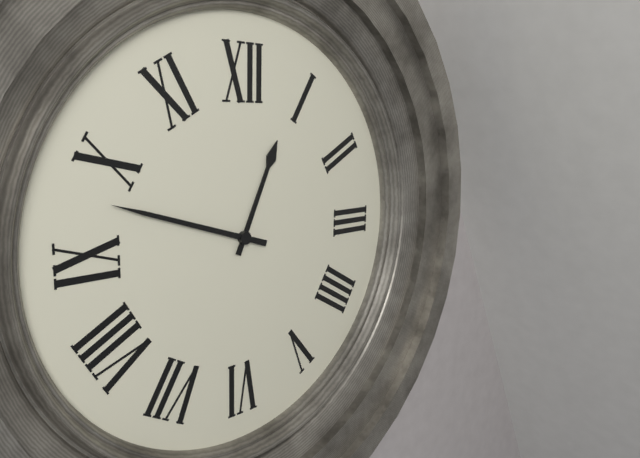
{"hour": 12, "minute": 48}
